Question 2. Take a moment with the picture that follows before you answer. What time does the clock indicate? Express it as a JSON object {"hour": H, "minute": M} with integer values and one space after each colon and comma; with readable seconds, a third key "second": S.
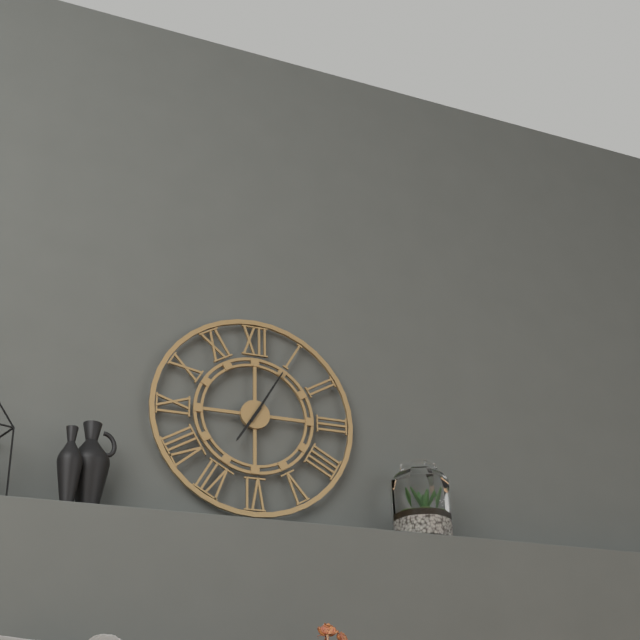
{"hour": 7, "minute": 5}
